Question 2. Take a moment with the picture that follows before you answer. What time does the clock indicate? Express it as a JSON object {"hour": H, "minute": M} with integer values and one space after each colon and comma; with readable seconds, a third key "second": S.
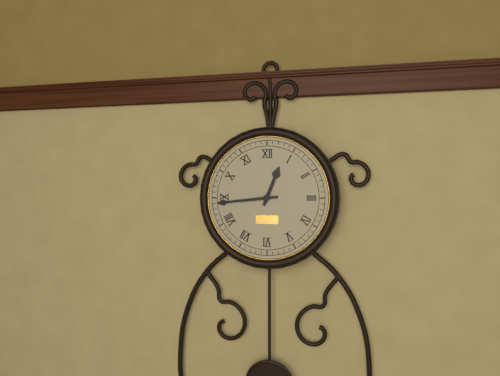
{"hour": 12, "minute": 44}
